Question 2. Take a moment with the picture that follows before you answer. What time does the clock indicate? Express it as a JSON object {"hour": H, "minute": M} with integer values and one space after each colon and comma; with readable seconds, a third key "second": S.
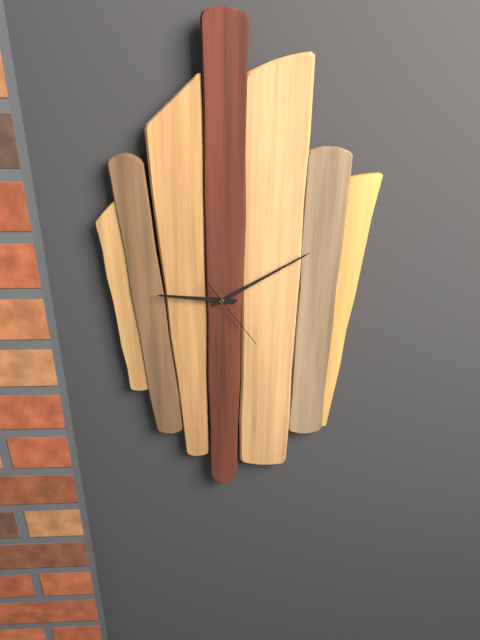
{"hour": 9, "minute": 10, "second": 24}
